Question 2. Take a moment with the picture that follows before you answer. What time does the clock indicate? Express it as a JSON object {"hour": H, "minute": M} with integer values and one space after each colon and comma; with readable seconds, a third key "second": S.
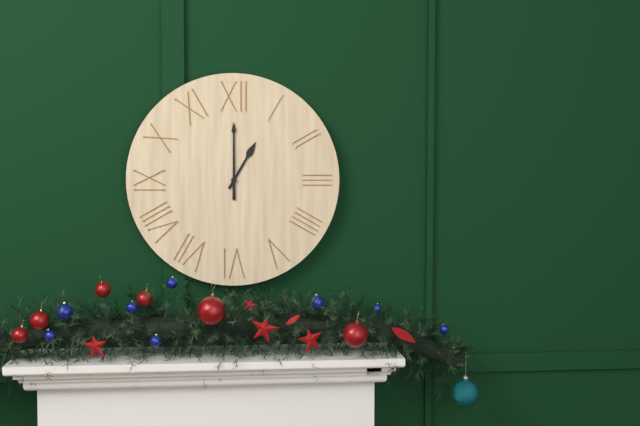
{"hour": 1, "minute": 0}
